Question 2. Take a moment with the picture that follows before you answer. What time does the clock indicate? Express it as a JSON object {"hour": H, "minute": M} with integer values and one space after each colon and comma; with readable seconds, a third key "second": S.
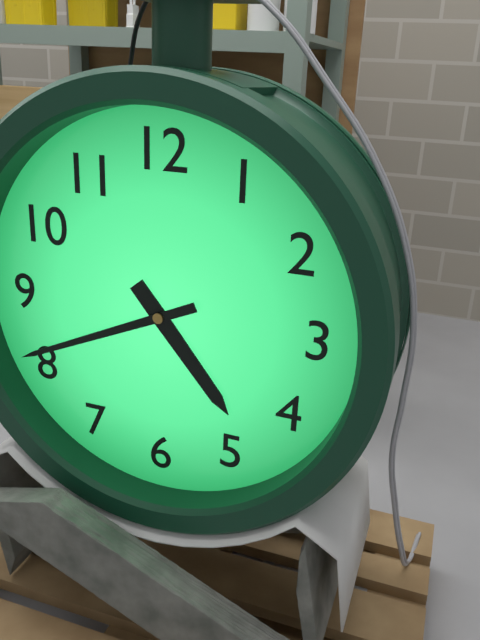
{"hour": 4, "minute": 41}
